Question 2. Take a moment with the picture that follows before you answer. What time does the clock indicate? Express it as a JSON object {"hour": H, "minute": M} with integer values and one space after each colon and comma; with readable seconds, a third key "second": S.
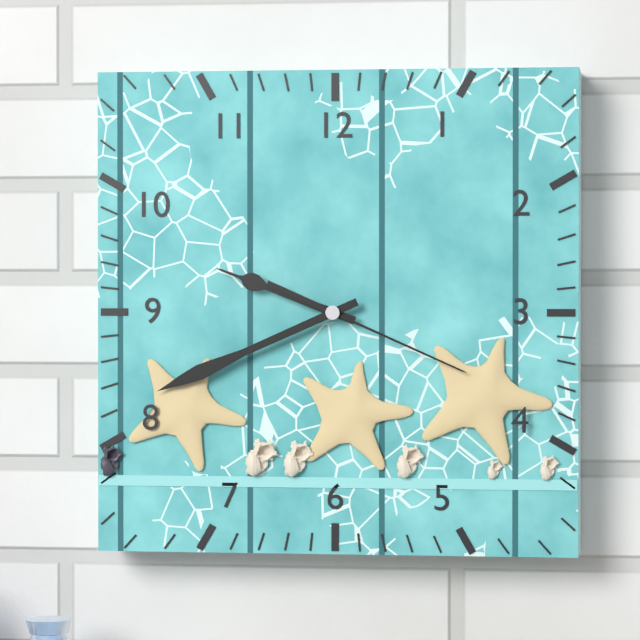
{"hour": 9, "minute": 41, "second": 19}
